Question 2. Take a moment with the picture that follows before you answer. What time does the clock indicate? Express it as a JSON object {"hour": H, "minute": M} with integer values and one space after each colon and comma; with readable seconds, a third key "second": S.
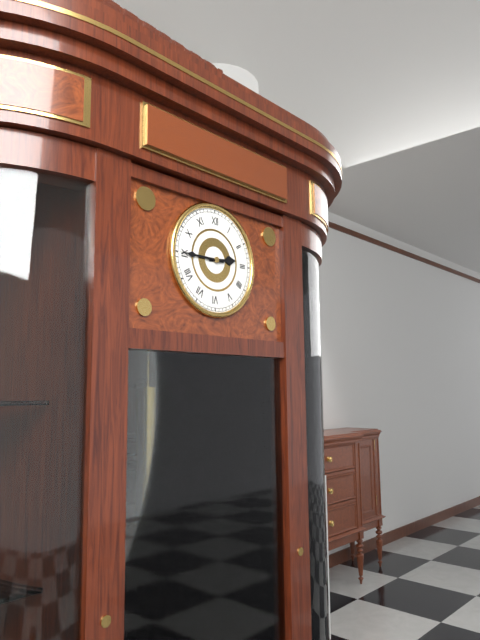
{"hour": 2, "minute": 45}
